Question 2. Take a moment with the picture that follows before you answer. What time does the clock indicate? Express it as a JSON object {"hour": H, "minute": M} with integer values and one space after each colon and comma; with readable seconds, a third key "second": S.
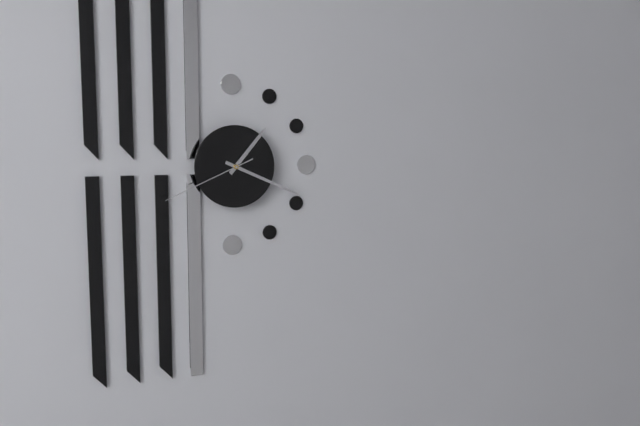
{"hour": 1, "minute": 19, "second": 41}
